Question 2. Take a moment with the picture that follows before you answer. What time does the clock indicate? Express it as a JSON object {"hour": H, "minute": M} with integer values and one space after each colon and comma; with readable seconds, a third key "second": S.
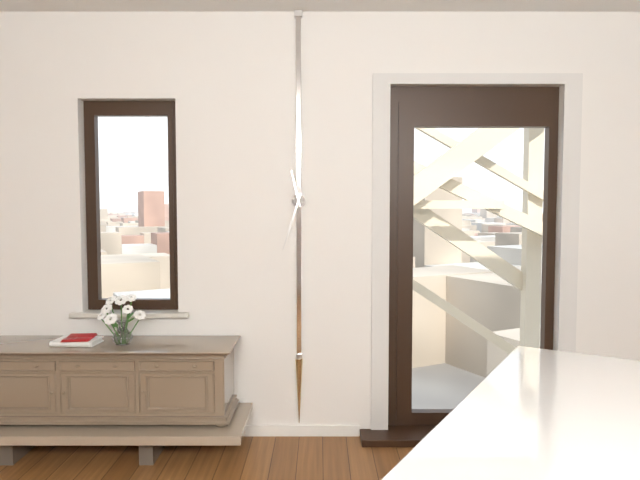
{"hour": 11, "minute": 33}
